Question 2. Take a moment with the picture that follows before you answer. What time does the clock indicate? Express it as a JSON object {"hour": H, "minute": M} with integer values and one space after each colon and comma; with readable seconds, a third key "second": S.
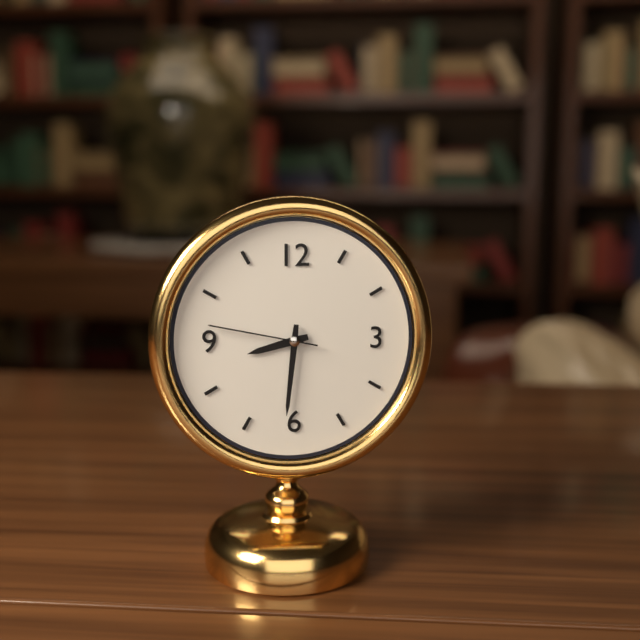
{"hour": 8, "minute": 31, "second": 47}
